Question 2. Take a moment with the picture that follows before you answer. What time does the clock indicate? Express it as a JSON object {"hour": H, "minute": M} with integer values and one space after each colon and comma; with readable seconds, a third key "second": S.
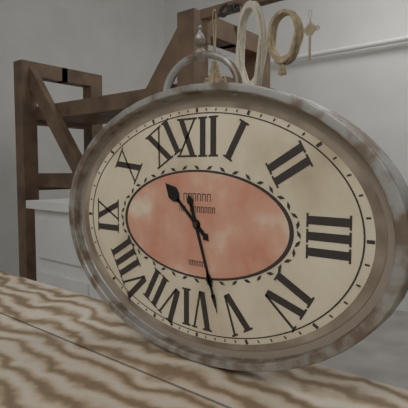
{"hour": 10, "minute": 27}
